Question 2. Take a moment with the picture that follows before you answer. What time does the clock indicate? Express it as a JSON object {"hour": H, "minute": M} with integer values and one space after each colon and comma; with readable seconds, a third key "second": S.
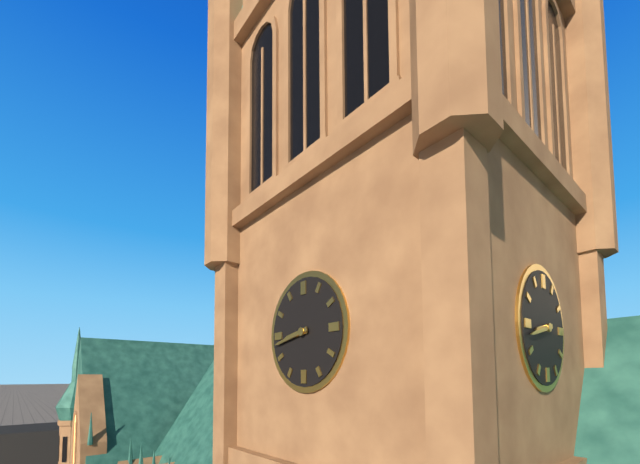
{"hour": 8, "minute": 43}
